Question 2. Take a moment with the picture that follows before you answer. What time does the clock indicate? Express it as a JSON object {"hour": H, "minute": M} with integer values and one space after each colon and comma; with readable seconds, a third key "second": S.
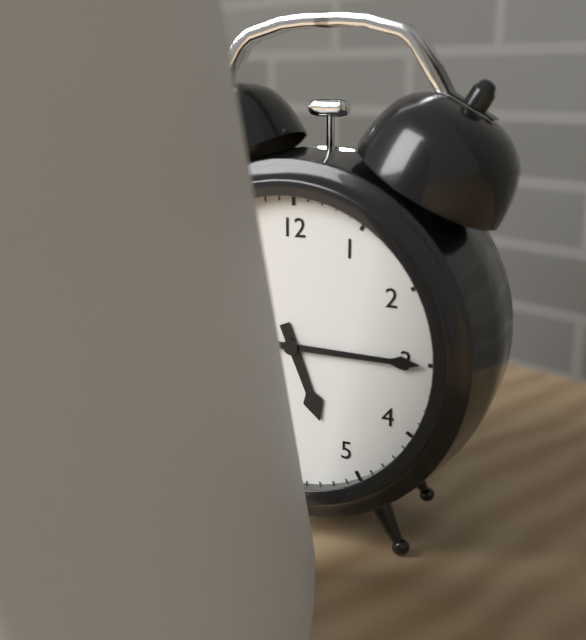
{"hour": 5, "minute": 15}
